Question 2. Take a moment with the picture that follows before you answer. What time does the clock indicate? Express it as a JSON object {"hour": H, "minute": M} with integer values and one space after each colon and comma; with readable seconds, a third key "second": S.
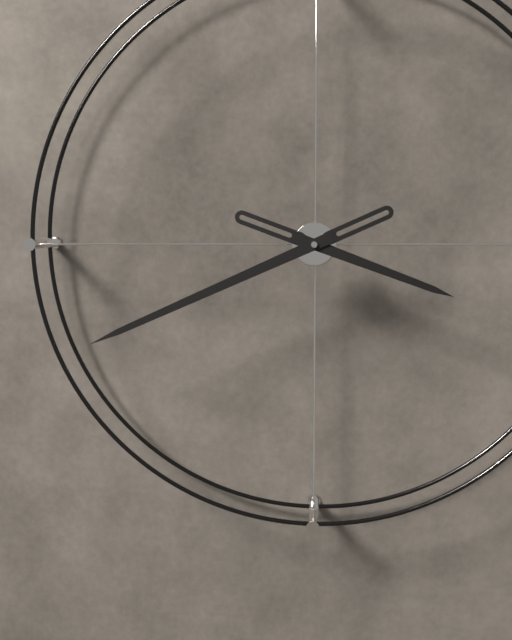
{"hour": 3, "minute": 41}
